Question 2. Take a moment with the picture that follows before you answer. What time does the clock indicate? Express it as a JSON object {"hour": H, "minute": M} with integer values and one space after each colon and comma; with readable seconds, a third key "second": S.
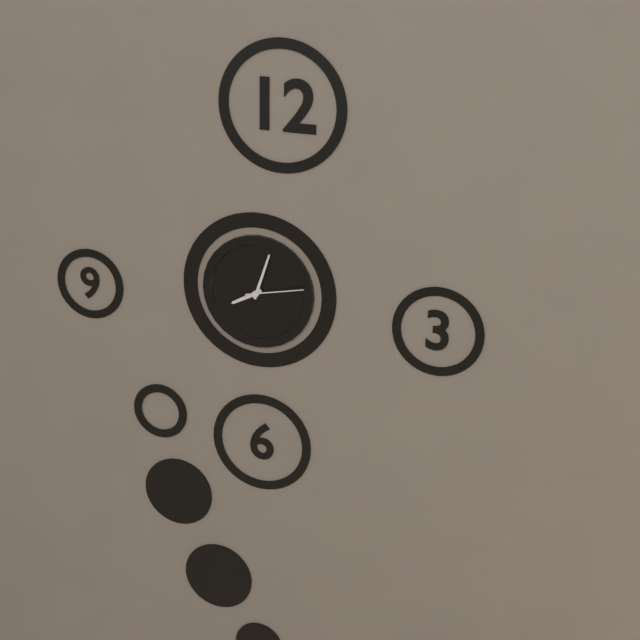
{"hour": 8, "minute": 3, "second": 13}
